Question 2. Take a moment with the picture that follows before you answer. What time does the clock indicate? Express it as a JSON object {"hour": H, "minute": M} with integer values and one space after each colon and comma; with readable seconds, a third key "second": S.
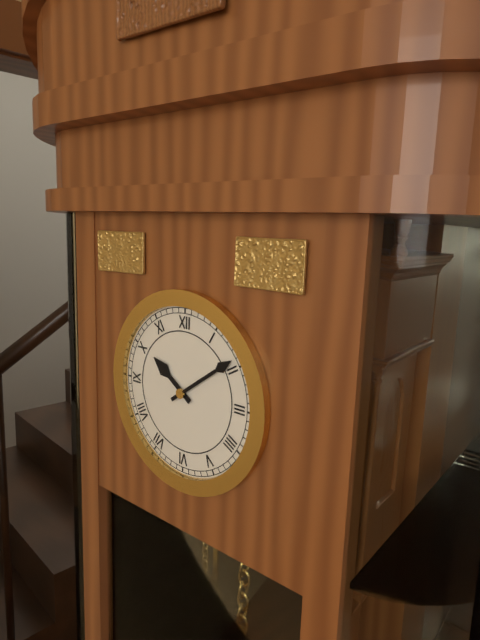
{"hour": 10, "minute": 9}
